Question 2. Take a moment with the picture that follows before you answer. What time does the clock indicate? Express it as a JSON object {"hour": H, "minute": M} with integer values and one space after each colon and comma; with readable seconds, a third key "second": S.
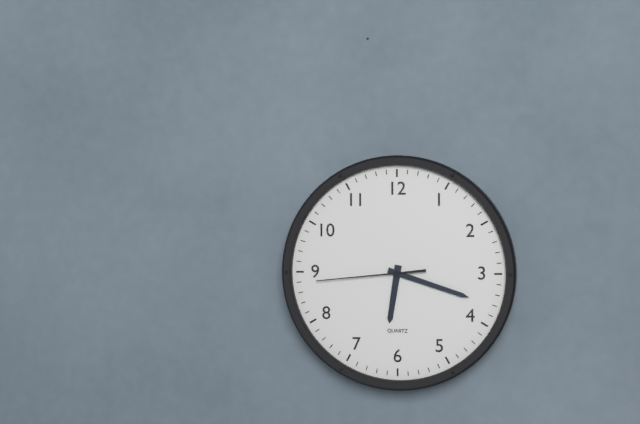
{"hour": 6, "minute": 18, "second": 44}
